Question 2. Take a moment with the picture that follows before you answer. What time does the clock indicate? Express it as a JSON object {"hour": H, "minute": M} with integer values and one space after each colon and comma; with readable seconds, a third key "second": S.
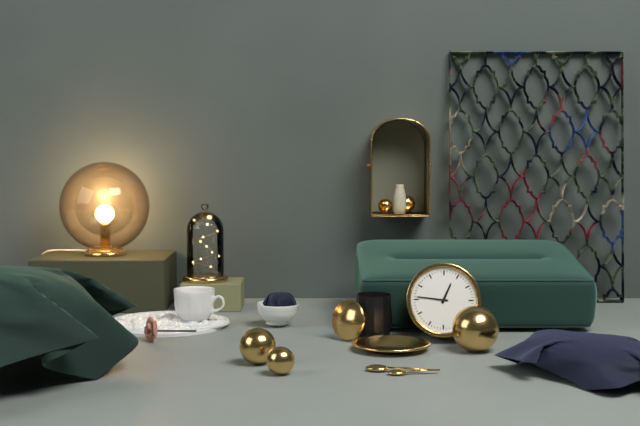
{"hour": 12, "minute": 46}
